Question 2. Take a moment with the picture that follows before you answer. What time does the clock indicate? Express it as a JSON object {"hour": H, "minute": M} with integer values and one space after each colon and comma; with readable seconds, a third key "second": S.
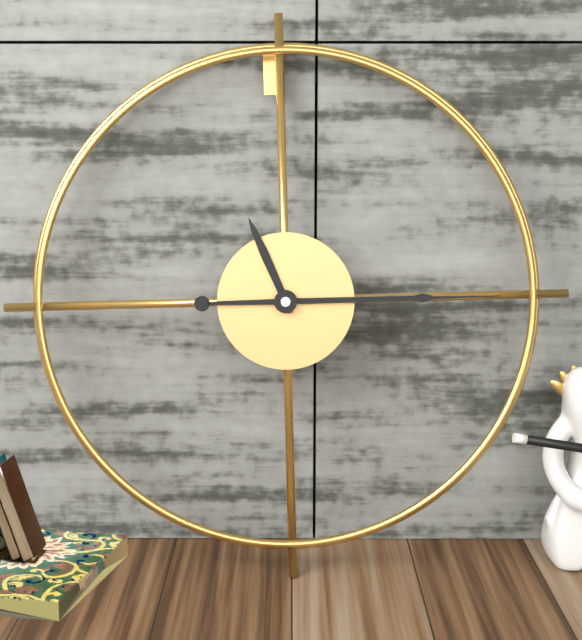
{"hour": 11, "minute": 15}
